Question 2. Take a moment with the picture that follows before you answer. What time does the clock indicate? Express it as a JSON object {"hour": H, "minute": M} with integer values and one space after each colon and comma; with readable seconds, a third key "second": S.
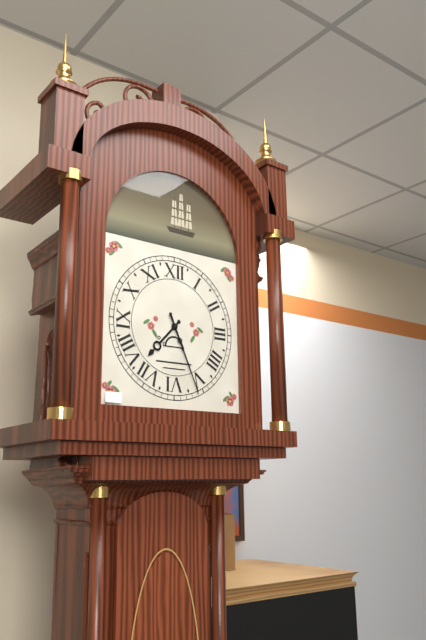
{"hour": 7, "minute": 26}
